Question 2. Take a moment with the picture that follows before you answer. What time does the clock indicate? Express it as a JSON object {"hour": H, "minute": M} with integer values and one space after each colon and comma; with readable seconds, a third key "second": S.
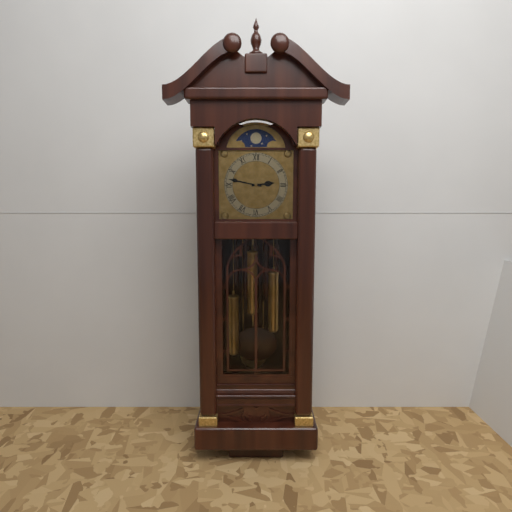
{"hour": 2, "minute": 47}
